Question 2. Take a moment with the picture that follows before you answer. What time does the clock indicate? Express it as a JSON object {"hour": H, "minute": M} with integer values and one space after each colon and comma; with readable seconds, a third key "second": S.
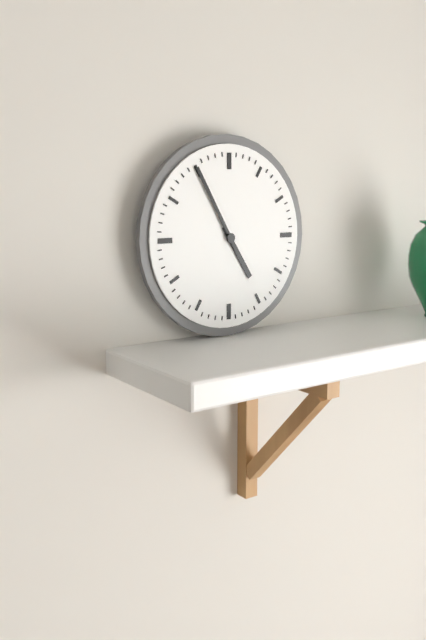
{"hour": 4, "minute": 55}
